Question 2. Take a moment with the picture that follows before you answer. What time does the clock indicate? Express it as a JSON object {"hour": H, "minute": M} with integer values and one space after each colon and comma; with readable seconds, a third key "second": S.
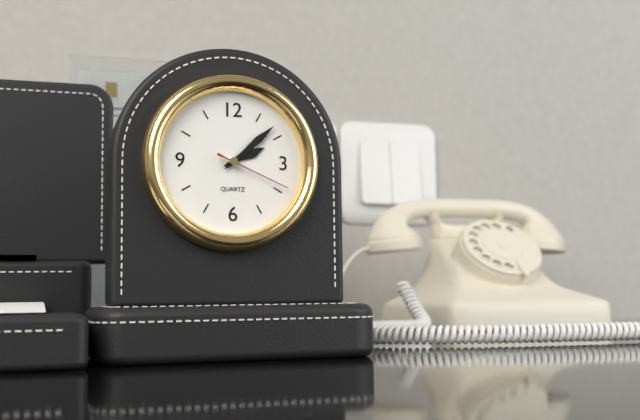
{"hour": 2, "minute": 8, "second": 19}
